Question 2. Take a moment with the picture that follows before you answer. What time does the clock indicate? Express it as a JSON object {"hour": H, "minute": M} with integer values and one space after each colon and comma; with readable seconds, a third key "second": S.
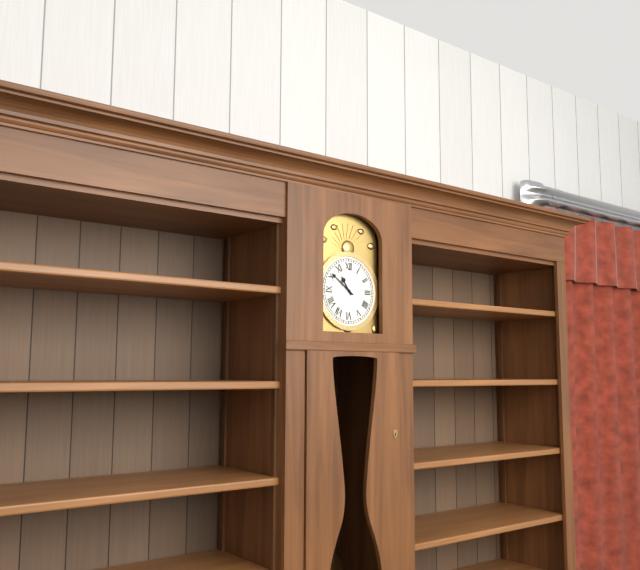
{"hour": 10, "minute": 51}
